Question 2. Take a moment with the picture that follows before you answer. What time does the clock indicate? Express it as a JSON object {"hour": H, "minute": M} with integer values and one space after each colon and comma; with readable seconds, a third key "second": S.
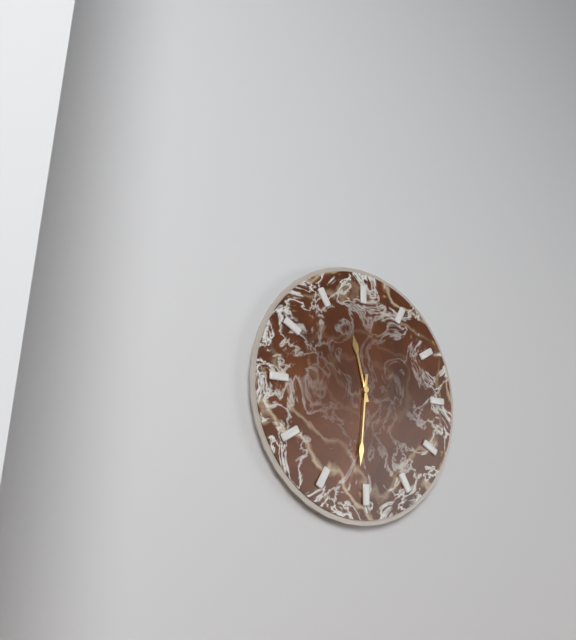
{"hour": 11, "minute": 31}
